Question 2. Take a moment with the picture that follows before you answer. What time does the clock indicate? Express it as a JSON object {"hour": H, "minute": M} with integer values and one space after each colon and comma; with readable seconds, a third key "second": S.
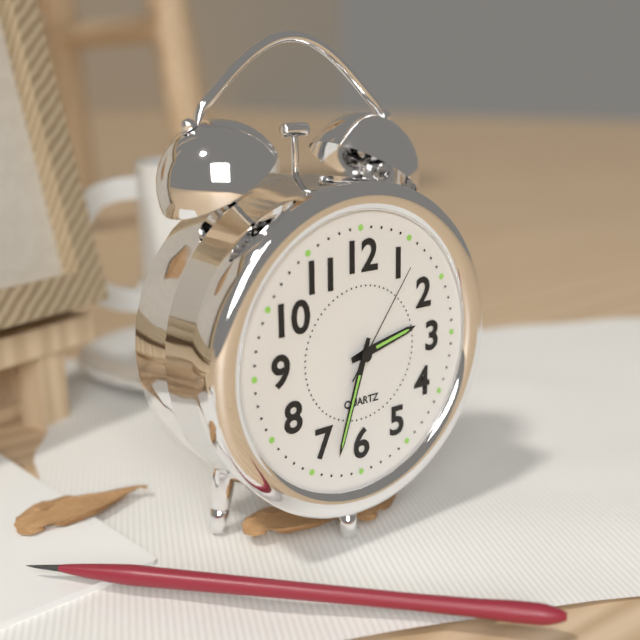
{"hour": 2, "minute": 33, "second": 6}
